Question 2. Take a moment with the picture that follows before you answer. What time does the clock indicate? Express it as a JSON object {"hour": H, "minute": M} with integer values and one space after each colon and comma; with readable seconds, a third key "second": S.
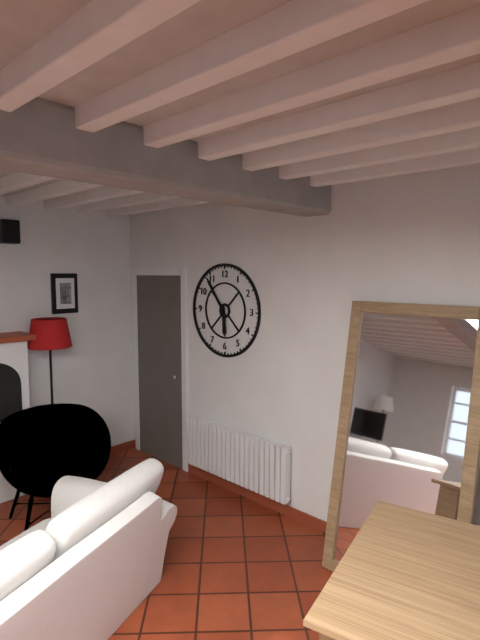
{"hour": 5, "minute": 54}
